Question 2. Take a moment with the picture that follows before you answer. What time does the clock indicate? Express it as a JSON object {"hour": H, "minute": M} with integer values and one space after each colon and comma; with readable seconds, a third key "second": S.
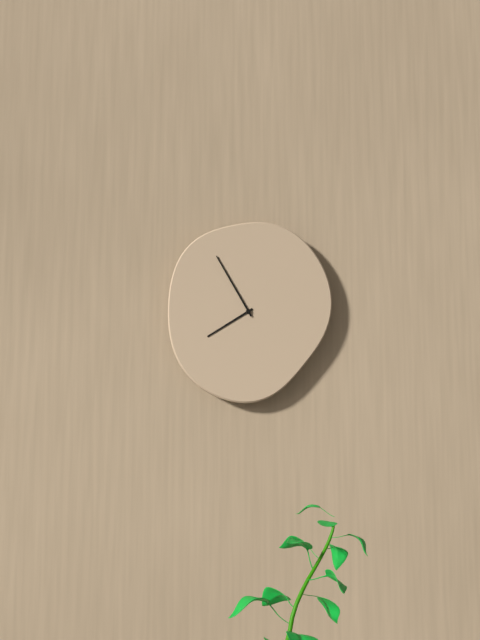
{"hour": 7, "minute": 55}
